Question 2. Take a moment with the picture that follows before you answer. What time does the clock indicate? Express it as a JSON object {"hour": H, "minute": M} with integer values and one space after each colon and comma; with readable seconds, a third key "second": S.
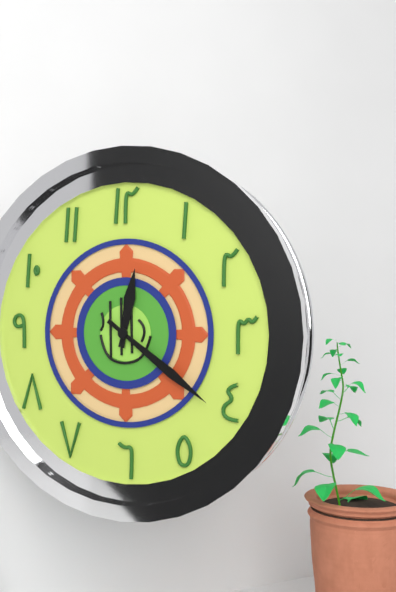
{"hour": 12, "minute": 21}
